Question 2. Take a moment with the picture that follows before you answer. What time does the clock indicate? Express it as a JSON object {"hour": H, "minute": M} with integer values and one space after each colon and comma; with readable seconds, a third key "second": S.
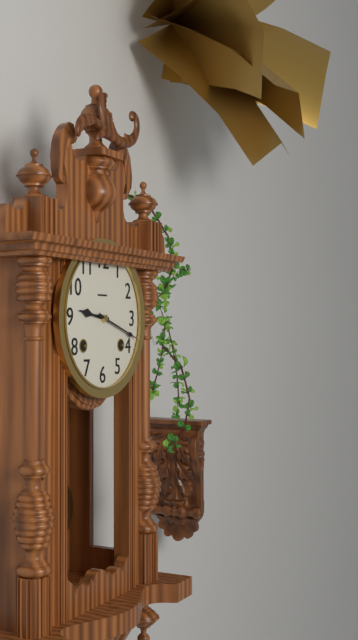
{"hour": 9, "minute": 18}
